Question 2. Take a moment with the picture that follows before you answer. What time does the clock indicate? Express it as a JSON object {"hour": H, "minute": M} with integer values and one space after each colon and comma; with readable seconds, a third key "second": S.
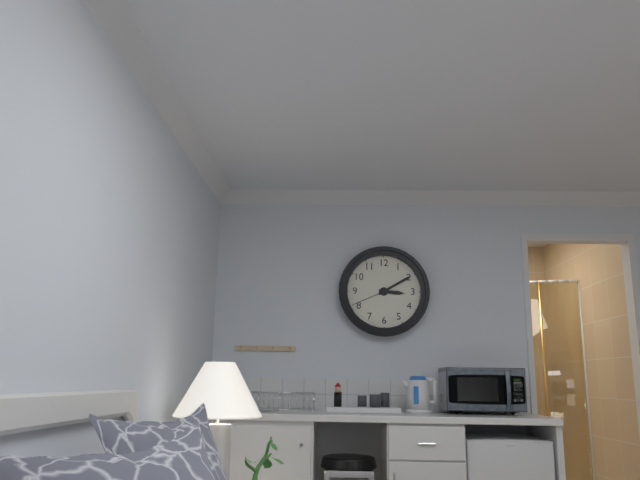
{"hour": 3, "minute": 10}
